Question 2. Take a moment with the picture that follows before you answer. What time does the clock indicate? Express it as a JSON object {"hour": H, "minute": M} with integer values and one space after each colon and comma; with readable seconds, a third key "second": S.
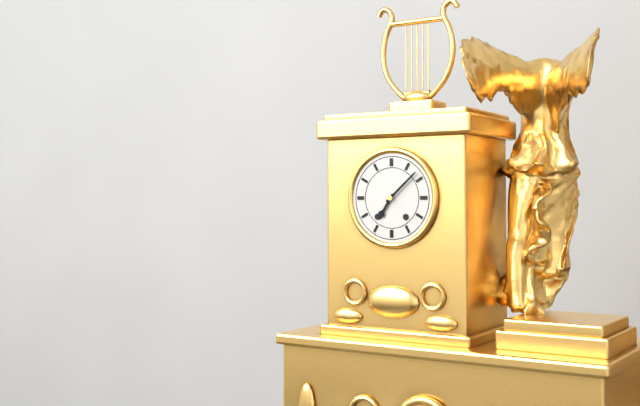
{"hour": 7, "minute": 8}
